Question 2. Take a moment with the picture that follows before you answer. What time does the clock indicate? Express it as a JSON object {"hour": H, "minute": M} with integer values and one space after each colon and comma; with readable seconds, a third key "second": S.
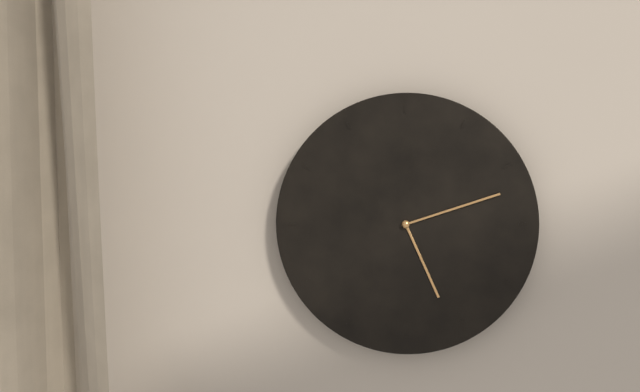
{"hour": 5, "minute": 12}
